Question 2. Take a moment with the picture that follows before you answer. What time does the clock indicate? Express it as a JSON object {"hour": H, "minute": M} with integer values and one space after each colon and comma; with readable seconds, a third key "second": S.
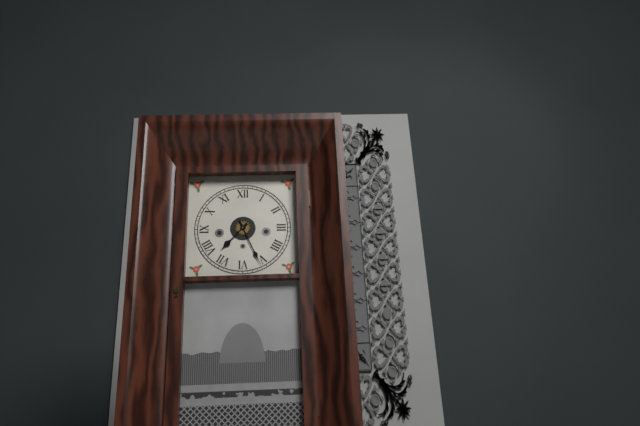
{"hour": 7, "minute": 26}
